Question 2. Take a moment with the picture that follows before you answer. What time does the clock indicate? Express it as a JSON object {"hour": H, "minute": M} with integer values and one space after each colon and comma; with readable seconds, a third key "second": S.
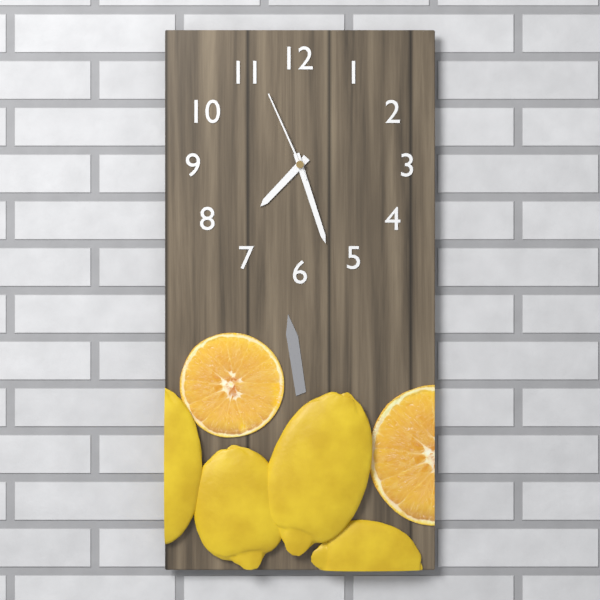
{"hour": 7, "minute": 27, "second": 56}
